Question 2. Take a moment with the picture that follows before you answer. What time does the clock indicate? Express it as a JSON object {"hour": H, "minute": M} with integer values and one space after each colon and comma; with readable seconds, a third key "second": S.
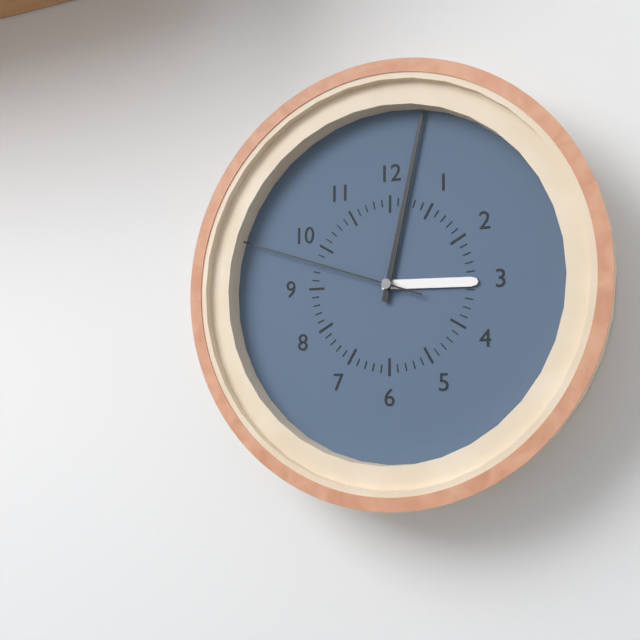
{"hour": 3, "minute": 2, "second": 48}
